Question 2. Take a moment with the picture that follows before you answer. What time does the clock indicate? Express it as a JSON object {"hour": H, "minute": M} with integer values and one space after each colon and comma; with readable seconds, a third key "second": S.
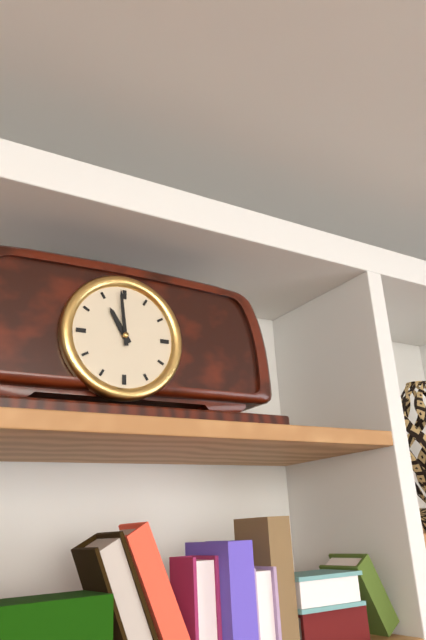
{"hour": 10, "minute": 59}
